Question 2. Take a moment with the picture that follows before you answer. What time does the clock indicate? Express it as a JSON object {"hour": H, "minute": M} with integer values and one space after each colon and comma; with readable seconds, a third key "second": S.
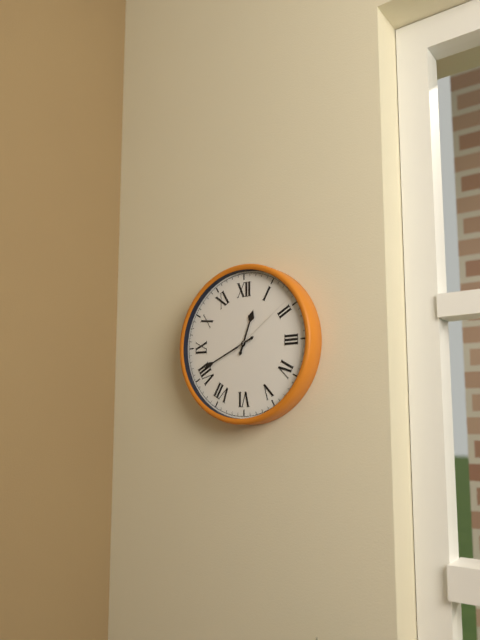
{"hour": 12, "minute": 41, "second": 9}
